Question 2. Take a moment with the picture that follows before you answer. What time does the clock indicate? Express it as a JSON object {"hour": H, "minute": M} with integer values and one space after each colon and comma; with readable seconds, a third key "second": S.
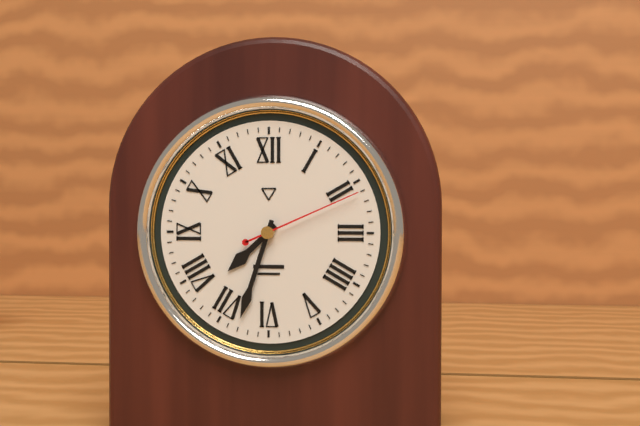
{"hour": 7, "minute": 33, "second": 11}
